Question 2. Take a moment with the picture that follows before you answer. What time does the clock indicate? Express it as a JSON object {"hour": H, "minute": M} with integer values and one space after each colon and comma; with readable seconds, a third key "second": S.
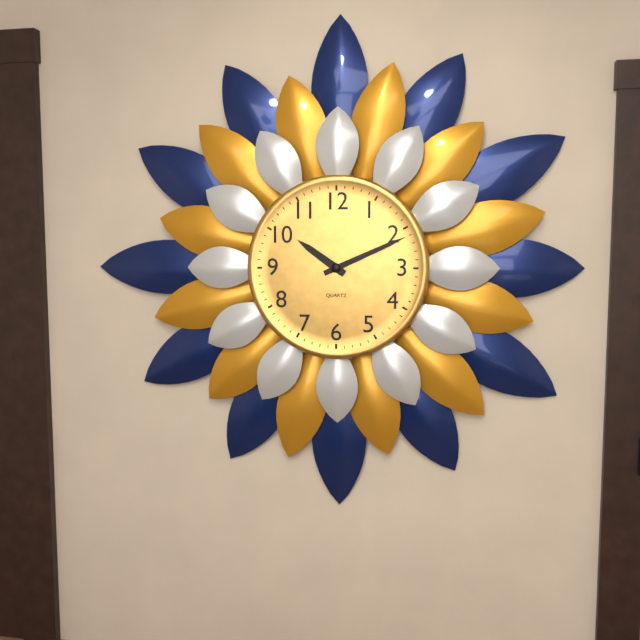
{"hour": 10, "minute": 11}
